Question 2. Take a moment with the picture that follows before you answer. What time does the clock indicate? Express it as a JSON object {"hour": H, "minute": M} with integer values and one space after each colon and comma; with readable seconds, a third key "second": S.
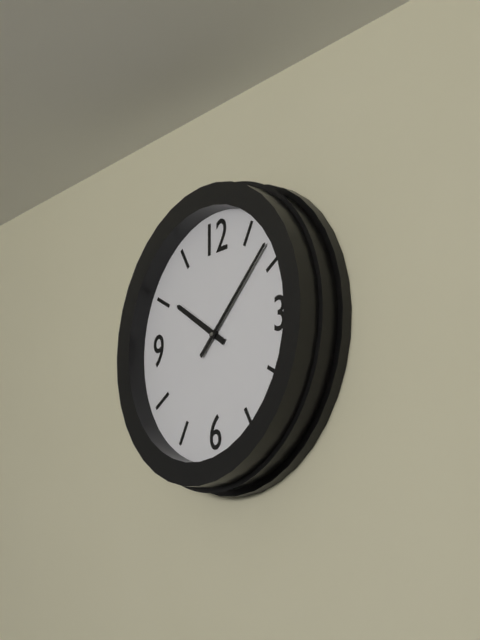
{"hour": 10, "minute": 8}
